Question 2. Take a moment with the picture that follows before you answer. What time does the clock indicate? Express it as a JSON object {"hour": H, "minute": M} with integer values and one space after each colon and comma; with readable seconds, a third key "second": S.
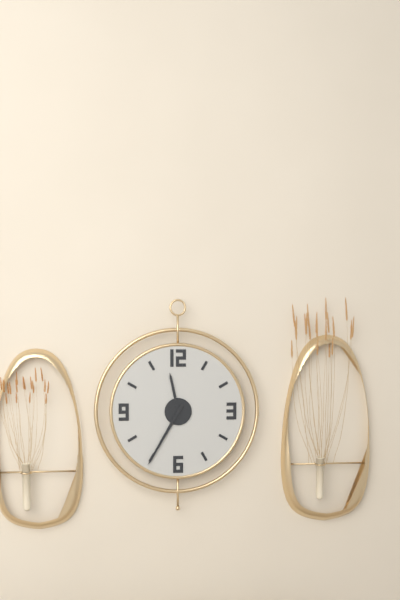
{"hour": 11, "minute": 35}
